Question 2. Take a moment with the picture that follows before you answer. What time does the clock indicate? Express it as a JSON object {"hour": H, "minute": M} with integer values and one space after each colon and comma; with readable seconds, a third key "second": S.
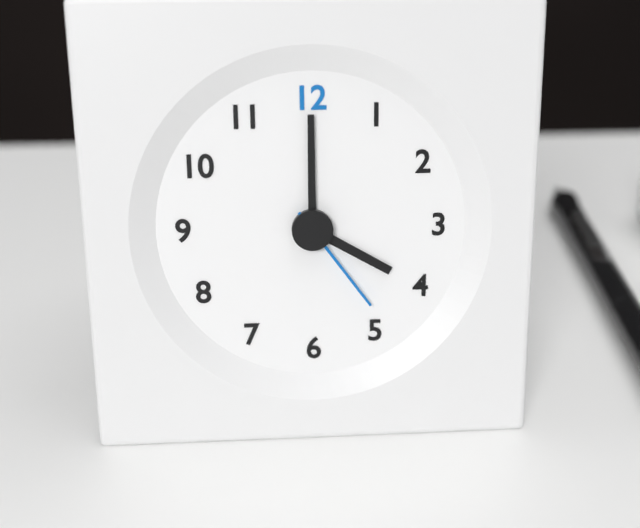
{"hour": 4, "minute": 0, "second": 24}
